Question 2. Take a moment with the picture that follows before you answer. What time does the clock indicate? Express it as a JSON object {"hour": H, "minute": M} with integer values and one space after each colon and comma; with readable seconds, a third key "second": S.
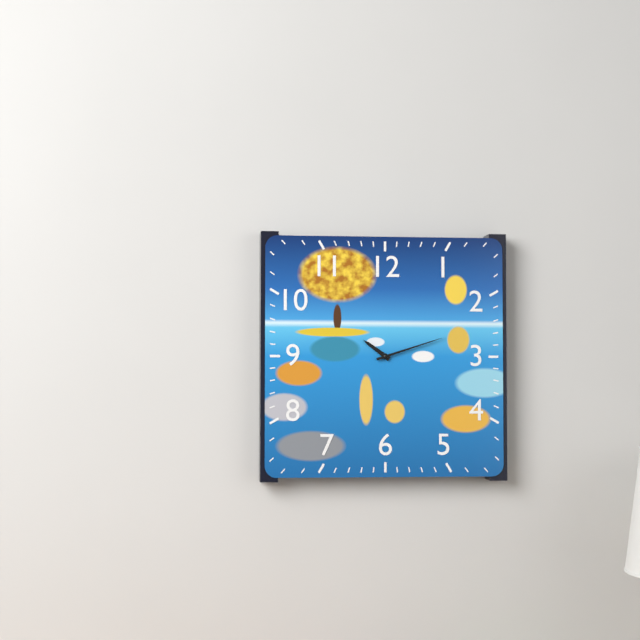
{"hour": 10, "minute": 12}
